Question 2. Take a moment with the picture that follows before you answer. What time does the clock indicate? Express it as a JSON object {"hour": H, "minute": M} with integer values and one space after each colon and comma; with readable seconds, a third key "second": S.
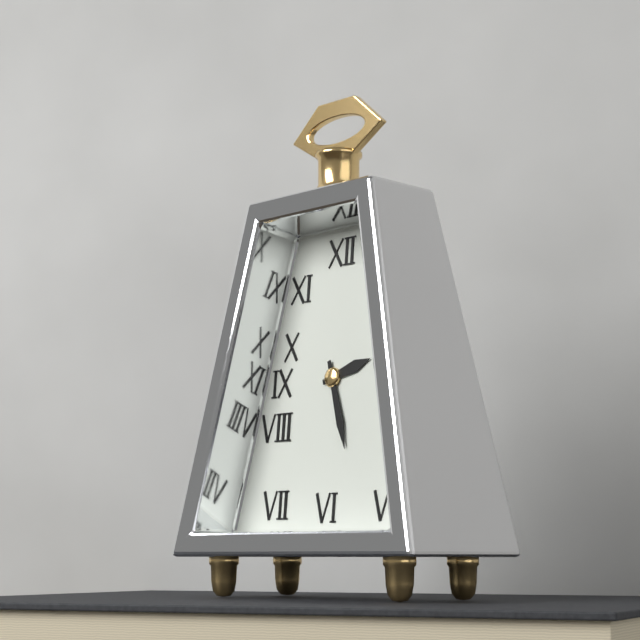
{"hour": 2, "minute": 27}
